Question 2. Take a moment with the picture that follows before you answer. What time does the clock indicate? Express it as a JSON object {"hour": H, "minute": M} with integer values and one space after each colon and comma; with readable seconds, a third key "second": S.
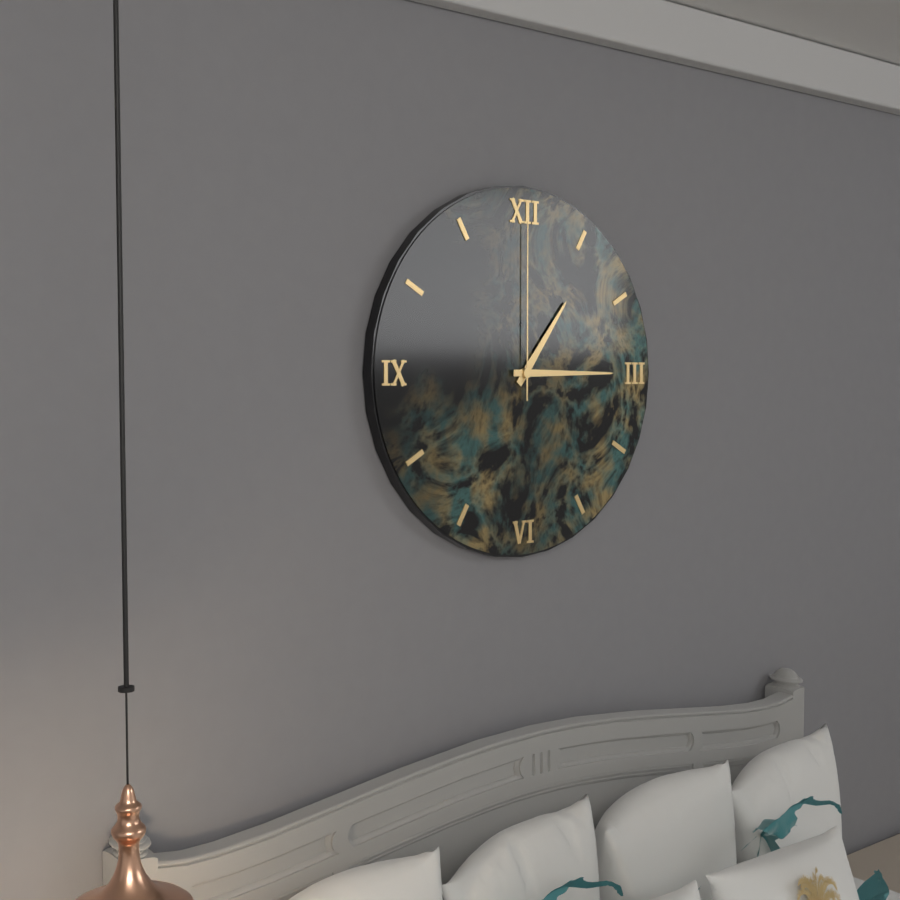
{"hour": 1, "minute": 15, "second": 0}
